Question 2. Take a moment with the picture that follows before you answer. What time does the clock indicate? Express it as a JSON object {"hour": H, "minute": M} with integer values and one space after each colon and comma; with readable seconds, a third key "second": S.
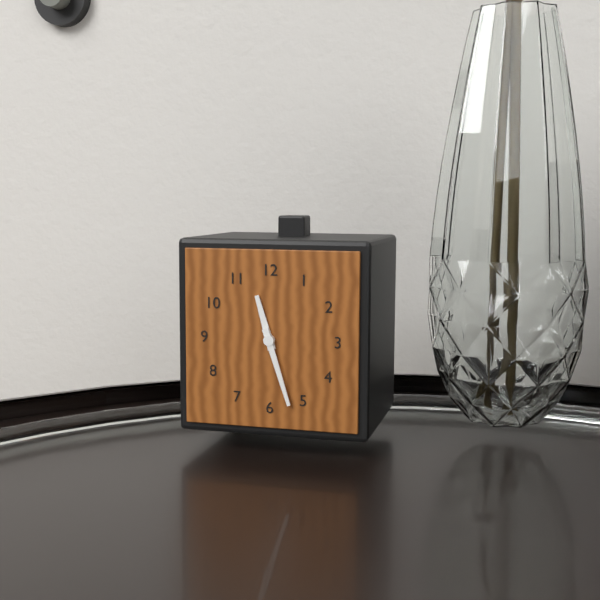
{"hour": 11, "minute": 27}
